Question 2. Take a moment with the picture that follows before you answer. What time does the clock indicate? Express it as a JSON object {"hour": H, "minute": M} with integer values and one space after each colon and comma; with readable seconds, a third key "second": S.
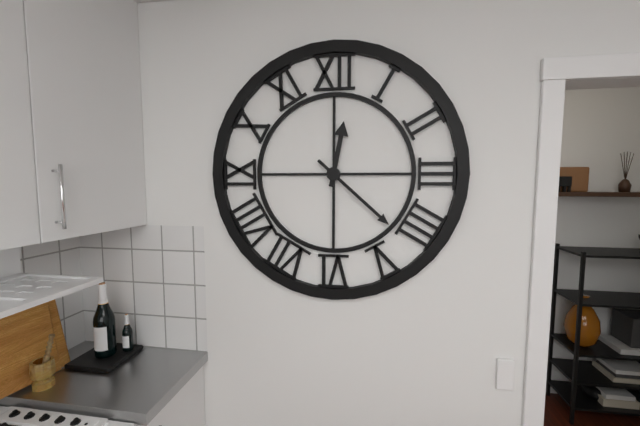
{"hour": 12, "minute": 22}
